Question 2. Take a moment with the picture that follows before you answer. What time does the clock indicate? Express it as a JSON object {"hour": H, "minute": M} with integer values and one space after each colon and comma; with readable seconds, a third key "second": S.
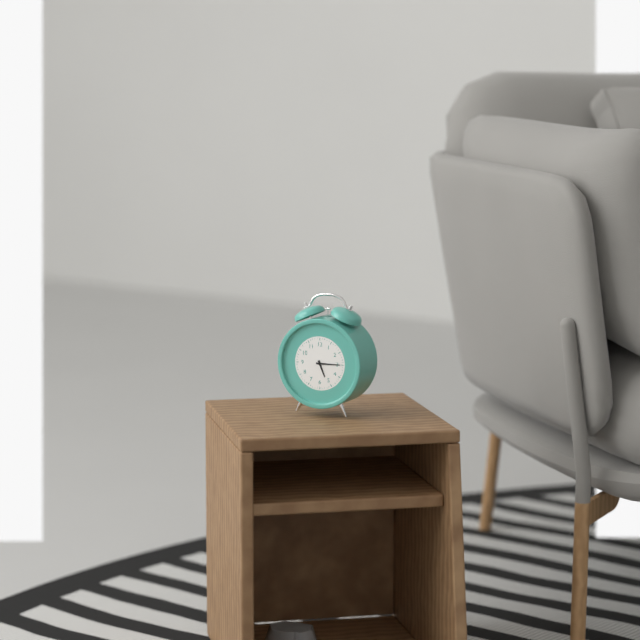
{"hour": 5, "minute": 15}
